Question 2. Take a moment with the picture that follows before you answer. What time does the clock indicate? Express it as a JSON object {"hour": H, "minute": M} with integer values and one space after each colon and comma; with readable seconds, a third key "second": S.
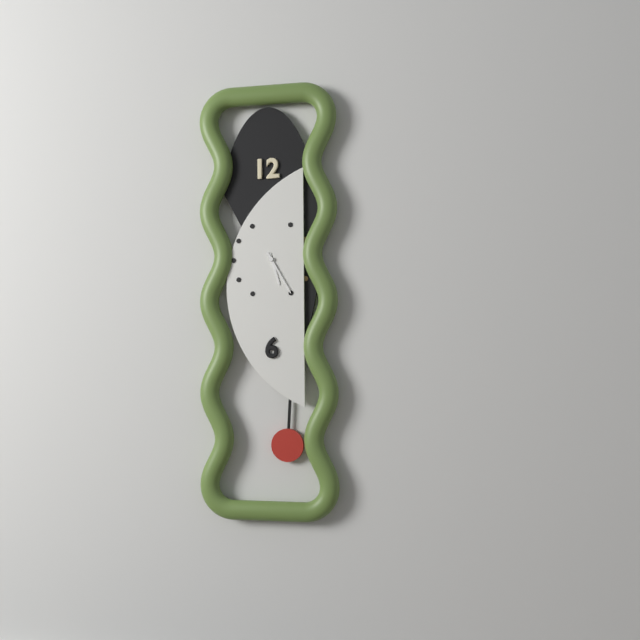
{"hour": 5, "minute": 25}
